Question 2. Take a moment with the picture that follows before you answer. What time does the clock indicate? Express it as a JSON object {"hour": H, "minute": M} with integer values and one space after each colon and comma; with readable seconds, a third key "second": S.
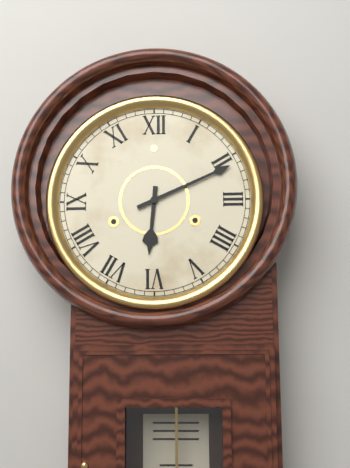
{"hour": 6, "minute": 11}
